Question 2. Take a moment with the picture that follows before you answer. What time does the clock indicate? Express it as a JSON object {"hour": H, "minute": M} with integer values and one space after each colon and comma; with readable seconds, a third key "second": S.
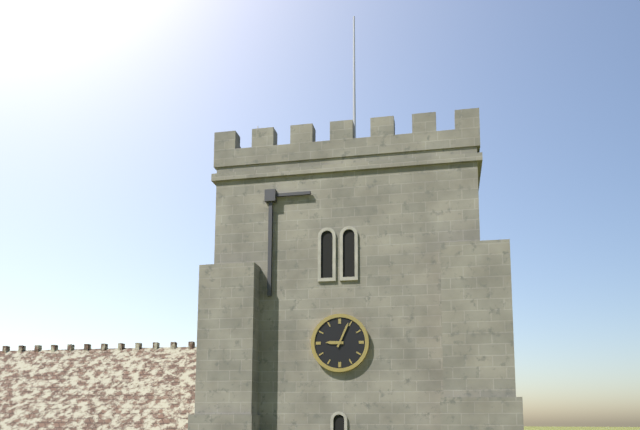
{"hour": 9, "minute": 4}
